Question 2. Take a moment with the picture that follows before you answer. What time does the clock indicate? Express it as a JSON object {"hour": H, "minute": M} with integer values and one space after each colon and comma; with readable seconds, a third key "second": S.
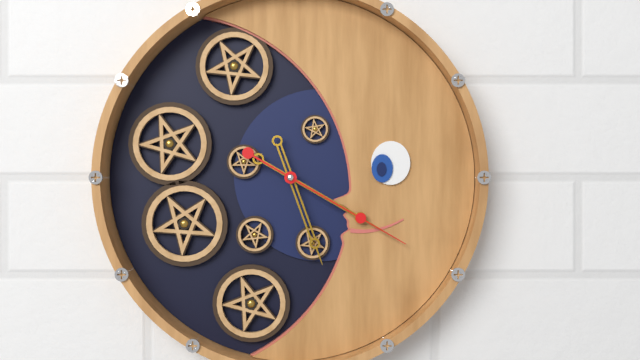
{"hour": 5, "minute": 20, "second": 20}
